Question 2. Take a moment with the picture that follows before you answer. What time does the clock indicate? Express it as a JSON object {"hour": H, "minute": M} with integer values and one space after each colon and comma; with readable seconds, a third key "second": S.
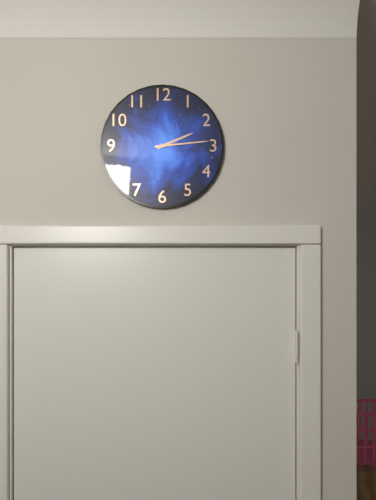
{"hour": 2, "minute": 14}
